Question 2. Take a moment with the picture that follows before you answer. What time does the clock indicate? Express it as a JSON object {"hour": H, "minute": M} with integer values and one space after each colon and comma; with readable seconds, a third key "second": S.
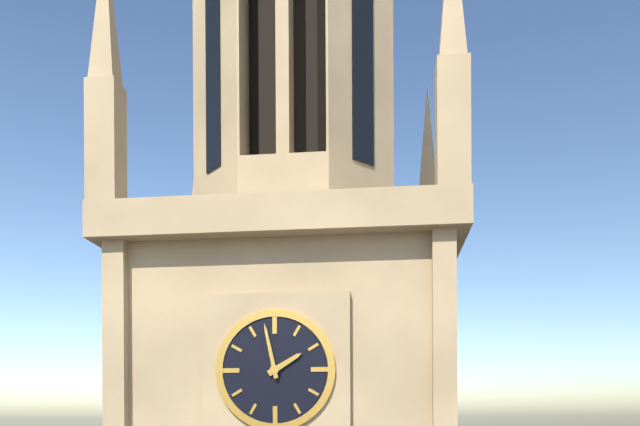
{"hour": 1, "minute": 58}
